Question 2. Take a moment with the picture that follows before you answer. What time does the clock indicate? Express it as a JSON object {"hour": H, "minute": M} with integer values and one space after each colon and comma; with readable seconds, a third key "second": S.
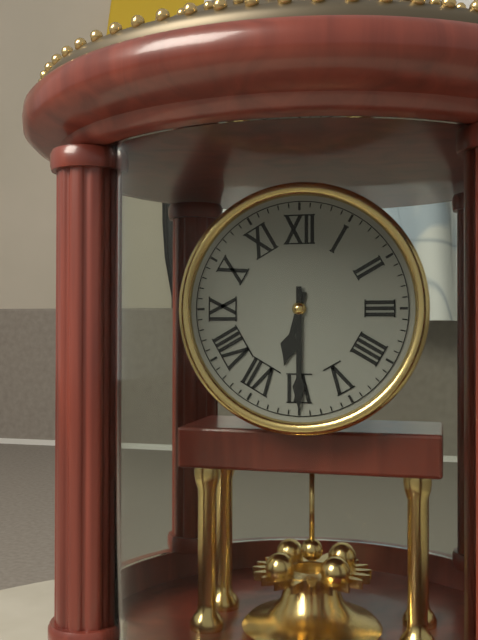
{"hour": 6, "minute": 30}
